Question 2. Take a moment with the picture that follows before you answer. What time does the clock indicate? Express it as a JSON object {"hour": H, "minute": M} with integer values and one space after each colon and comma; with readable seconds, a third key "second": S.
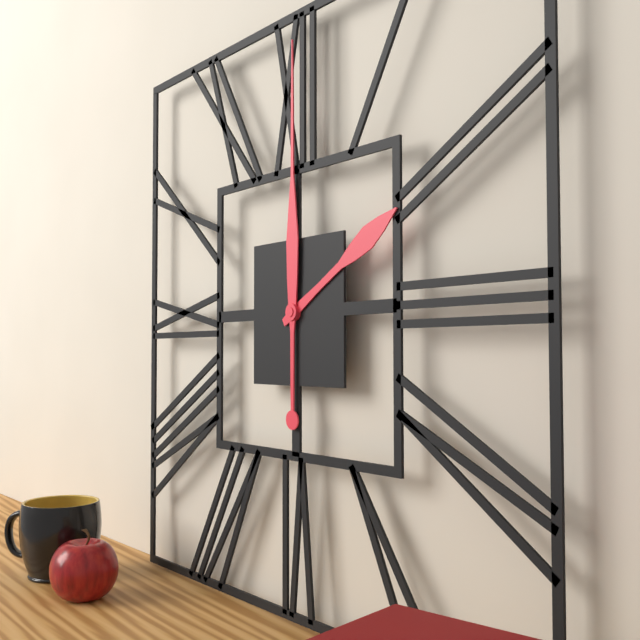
{"hour": 2, "minute": 0}
